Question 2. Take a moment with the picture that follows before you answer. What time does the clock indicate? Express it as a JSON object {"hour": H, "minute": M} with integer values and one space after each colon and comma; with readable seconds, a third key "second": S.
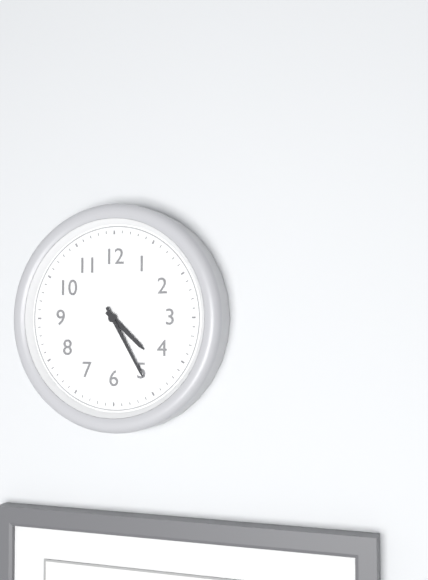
{"hour": 4, "minute": 25}
